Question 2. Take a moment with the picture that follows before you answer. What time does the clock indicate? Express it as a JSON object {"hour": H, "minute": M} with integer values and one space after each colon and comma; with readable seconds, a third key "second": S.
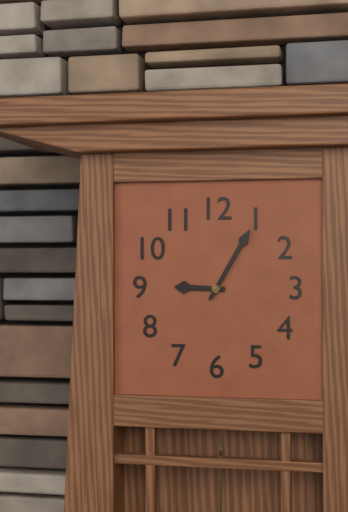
{"hour": 9, "minute": 5}
